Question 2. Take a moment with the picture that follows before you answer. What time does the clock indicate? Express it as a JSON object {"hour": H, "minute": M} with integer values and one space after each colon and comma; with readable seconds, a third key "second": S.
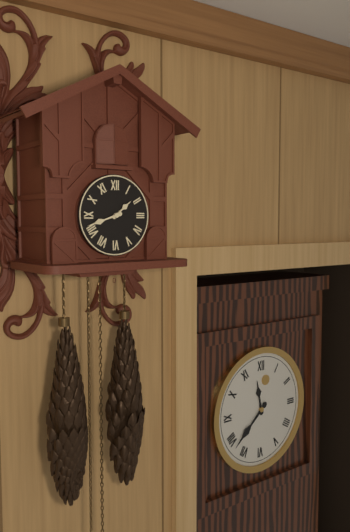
{"hour": 1, "minute": 42}
